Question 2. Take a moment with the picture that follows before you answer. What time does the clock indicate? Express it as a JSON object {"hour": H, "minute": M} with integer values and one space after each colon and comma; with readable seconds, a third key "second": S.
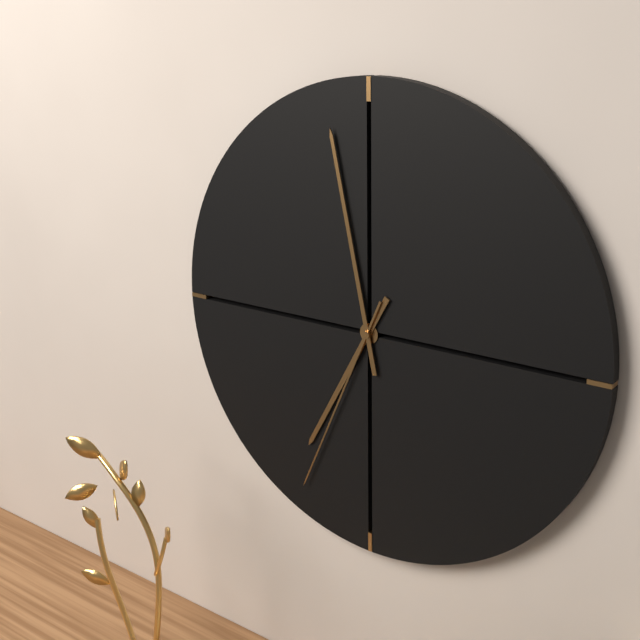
{"hour": 6, "minute": 58, "second": 34}
